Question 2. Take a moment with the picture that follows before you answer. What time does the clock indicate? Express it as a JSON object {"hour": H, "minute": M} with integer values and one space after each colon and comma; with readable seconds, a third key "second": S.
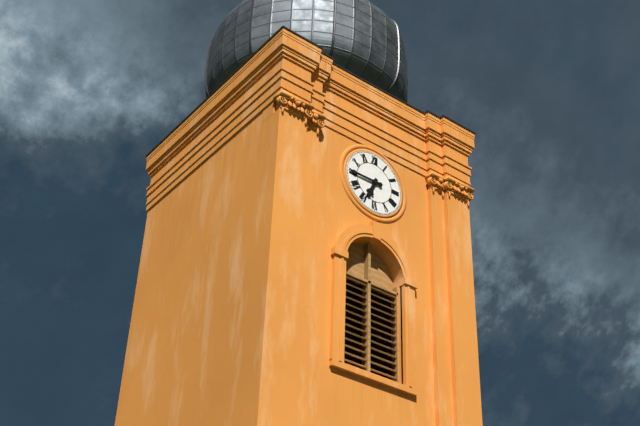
{"hour": 6, "minute": 45}
